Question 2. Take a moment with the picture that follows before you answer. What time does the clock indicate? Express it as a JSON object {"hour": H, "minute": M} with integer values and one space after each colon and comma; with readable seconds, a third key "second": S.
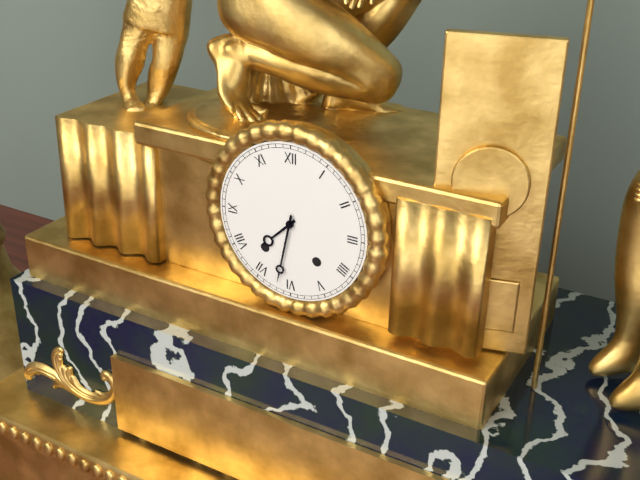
{"hour": 7, "minute": 32}
